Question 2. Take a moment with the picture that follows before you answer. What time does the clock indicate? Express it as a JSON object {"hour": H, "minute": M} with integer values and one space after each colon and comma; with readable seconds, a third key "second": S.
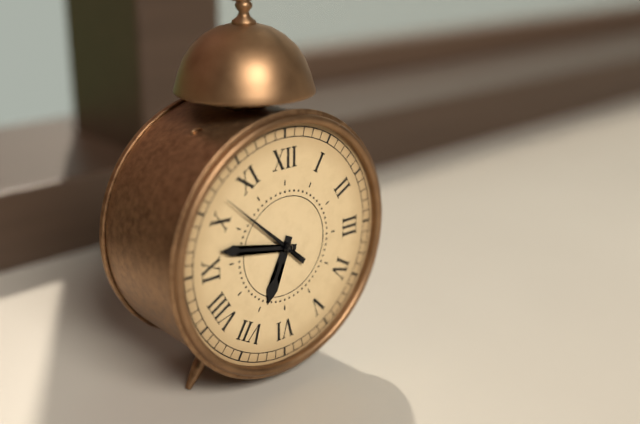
{"hour": 6, "minute": 47, "second": 52}
